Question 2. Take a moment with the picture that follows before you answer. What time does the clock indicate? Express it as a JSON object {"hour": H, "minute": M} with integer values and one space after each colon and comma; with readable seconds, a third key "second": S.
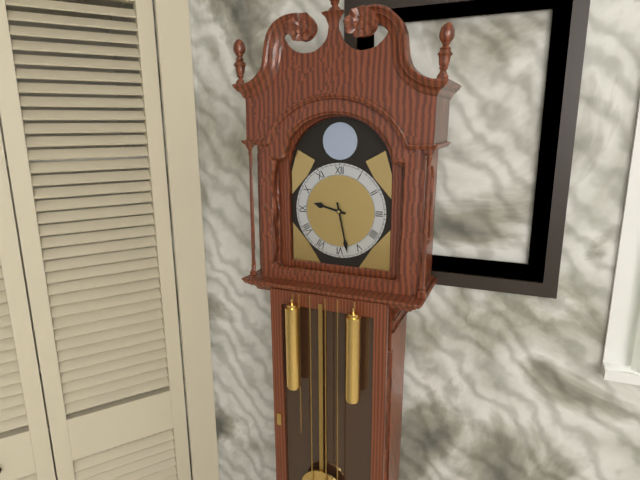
{"hour": 9, "minute": 28}
